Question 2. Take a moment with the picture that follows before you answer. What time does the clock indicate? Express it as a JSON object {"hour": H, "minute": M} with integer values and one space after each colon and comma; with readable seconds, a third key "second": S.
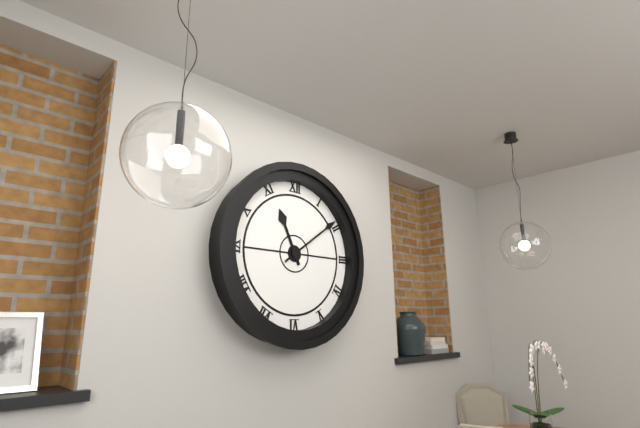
{"hour": 11, "minute": 9}
